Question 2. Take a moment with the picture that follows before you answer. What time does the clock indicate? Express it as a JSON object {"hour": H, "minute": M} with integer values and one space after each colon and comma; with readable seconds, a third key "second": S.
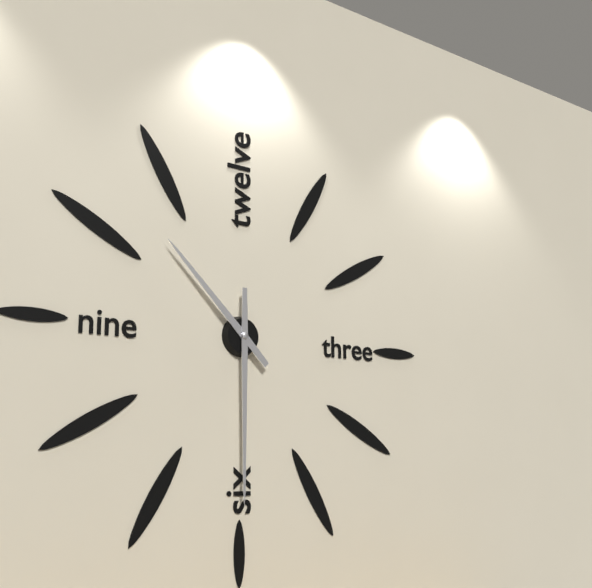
{"hour": 10, "minute": 30}
